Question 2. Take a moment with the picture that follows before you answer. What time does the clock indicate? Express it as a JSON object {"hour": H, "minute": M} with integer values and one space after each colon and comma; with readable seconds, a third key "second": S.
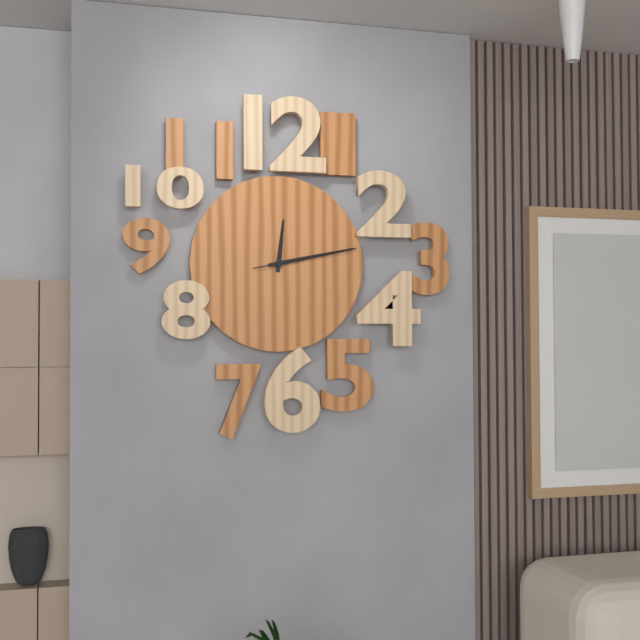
{"hour": 12, "minute": 13, "second": 13}
